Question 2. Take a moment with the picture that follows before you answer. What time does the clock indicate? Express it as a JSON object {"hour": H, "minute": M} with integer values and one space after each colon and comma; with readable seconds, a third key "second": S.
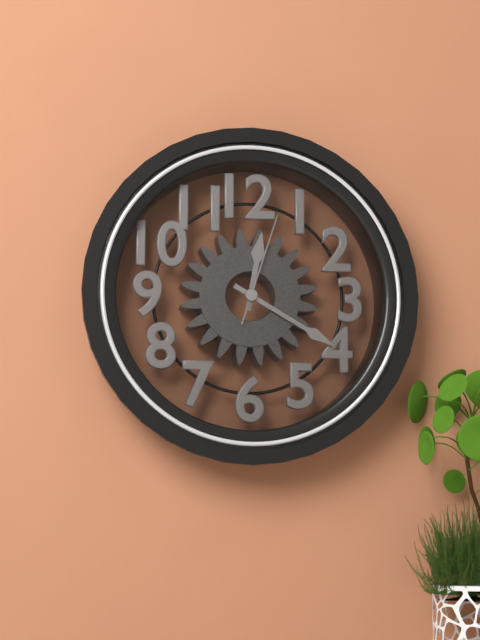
{"hour": 12, "minute": 20, "second": 3}
